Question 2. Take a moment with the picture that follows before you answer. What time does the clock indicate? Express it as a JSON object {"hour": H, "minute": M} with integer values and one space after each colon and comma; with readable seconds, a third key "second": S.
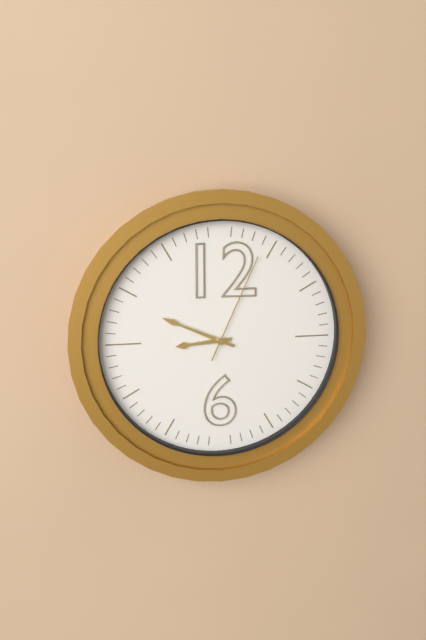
{"hour": 8, "minute": 49, "second": 4}
